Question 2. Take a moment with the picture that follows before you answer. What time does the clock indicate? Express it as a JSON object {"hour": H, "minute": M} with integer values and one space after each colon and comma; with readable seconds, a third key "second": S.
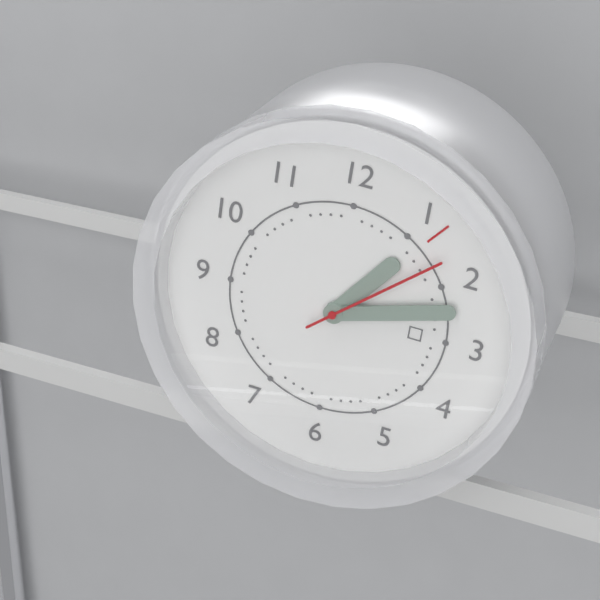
{"hour": 1, "minute": 12, "second": 8}
